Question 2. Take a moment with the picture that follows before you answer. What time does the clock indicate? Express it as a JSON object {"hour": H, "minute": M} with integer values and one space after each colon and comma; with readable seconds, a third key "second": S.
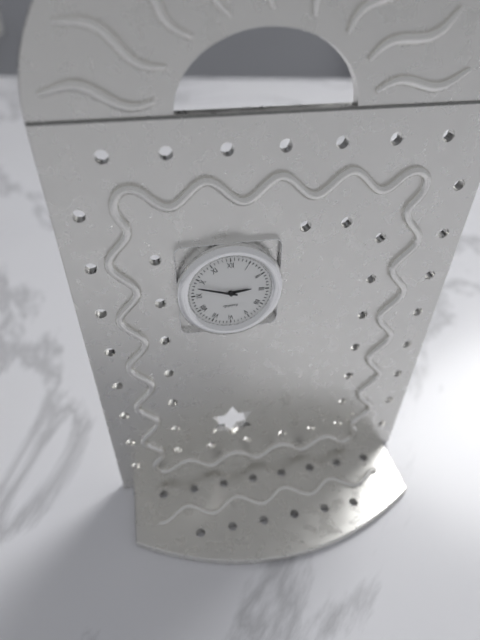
{"hour": 2, "minute": 48}
